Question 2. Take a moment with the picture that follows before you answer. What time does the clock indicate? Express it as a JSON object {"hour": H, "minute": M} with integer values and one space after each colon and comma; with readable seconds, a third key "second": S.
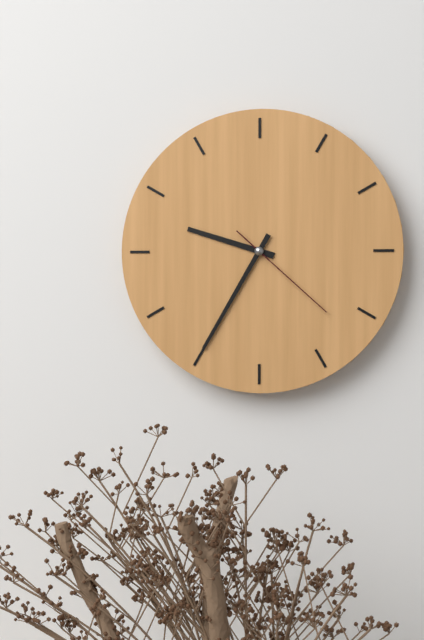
{"hour": 9, "minute": 35, "second": 22}
